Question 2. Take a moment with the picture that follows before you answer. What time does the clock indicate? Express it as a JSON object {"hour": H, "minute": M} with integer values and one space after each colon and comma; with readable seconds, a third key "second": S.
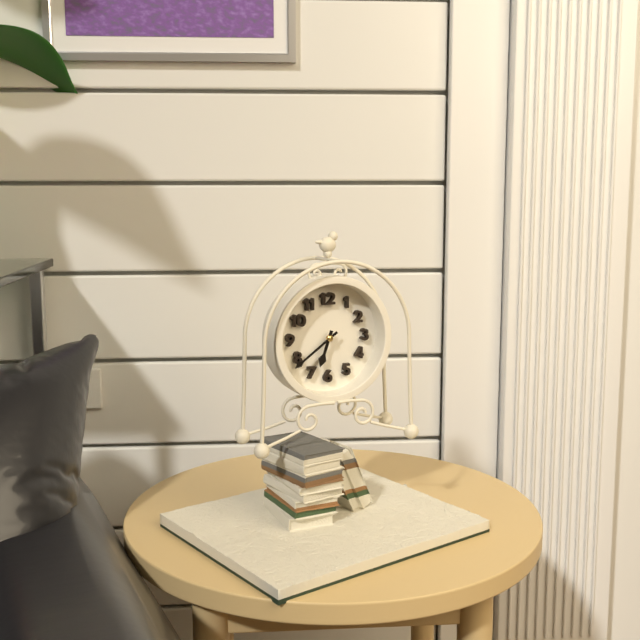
{"hour": 6, "minute": 39}
